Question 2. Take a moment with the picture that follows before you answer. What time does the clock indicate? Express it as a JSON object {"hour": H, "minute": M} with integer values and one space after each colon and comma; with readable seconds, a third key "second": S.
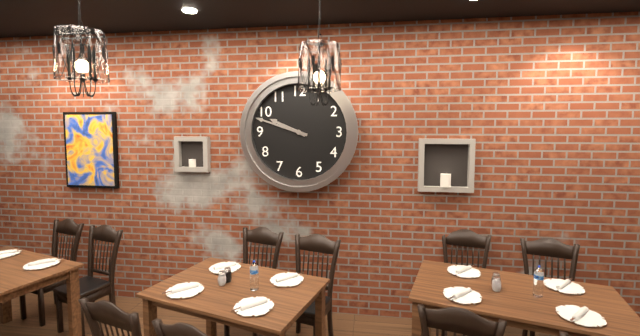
{"hour": 9, "minute": 48}
